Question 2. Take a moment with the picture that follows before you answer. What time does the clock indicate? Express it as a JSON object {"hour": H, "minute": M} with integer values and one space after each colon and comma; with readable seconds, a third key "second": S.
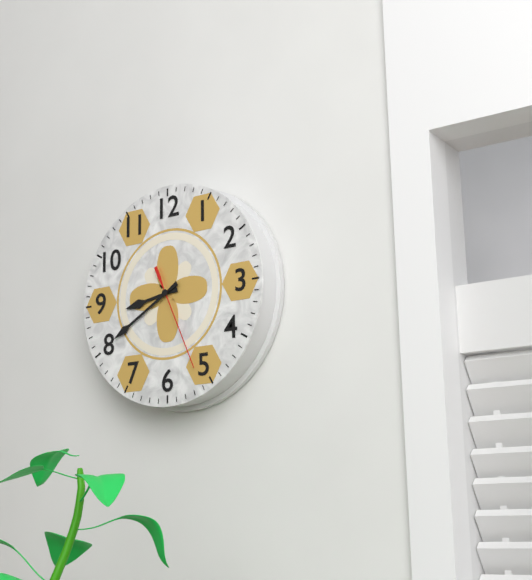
{"hour": 8, "minute": 40, "second": 26}
